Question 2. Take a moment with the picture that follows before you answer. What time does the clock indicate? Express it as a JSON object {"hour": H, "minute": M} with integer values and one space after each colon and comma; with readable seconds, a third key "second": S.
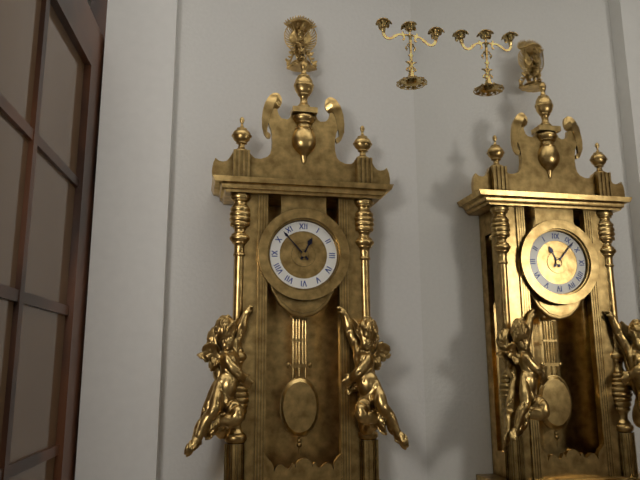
{"hour": 12, "minute": 53}
